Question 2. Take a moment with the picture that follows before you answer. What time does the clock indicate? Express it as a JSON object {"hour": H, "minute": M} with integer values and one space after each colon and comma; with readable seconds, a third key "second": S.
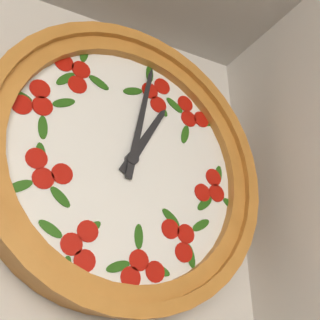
{"hour": 1, "minute": 2}
